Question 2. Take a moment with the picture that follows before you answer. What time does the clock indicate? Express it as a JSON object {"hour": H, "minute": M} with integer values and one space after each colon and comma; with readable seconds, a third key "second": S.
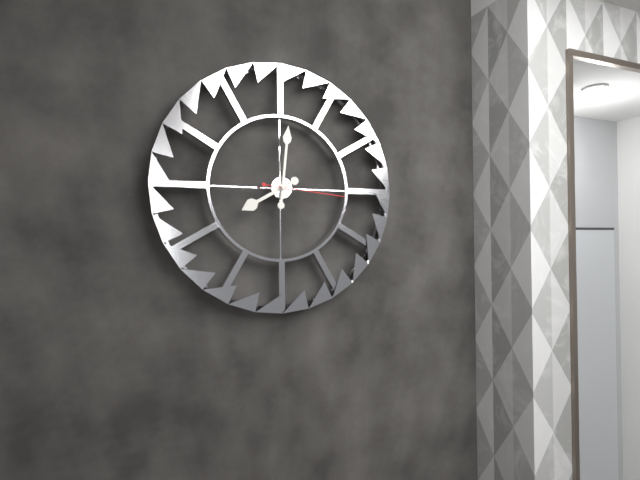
{"hour": 8, "minute": 1, "second": 16}
